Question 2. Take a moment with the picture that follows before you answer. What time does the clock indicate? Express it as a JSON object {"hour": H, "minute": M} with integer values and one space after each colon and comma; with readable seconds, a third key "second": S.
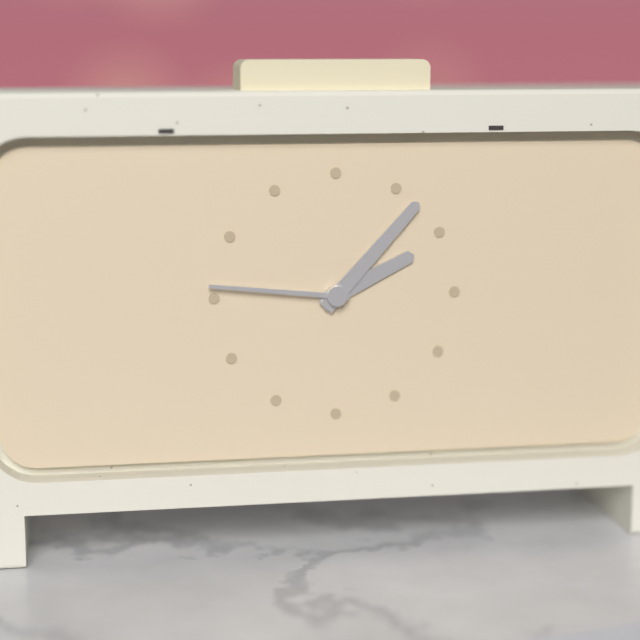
{"hour": 2, "minute": 7, "second": 46}
